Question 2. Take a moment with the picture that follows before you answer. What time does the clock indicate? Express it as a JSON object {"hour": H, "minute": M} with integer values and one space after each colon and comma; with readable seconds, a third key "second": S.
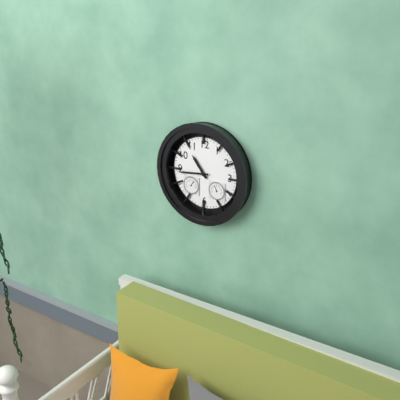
{"hour": 10, "minute": 44}
